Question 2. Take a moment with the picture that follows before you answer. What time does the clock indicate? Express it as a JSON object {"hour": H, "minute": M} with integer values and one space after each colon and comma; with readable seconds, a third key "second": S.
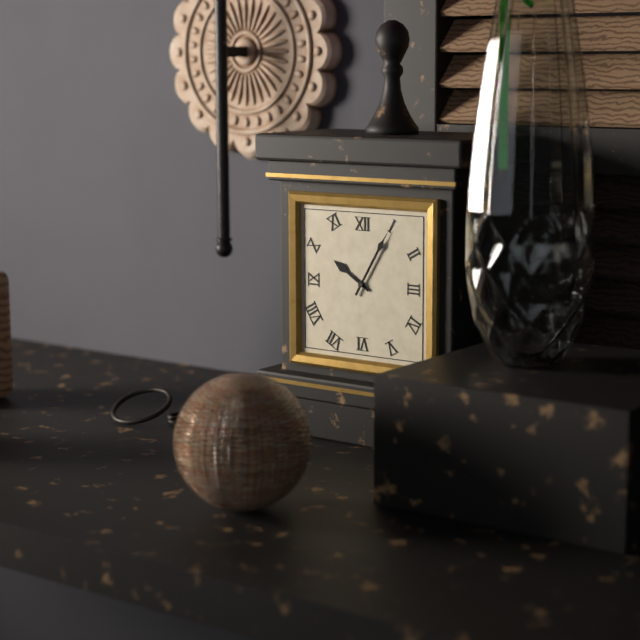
{"hour": 10, "minute": 5}
